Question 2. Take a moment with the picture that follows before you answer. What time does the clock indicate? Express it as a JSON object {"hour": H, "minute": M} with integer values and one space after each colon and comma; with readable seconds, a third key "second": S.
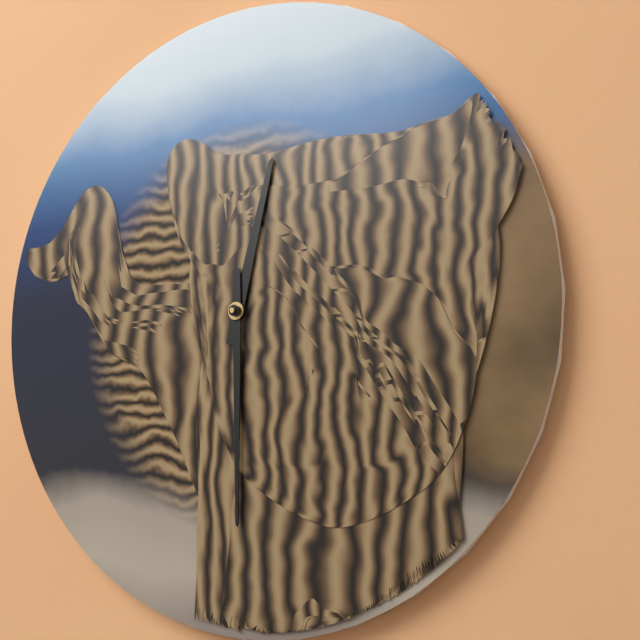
{"hour": 12, "minute": 30}
